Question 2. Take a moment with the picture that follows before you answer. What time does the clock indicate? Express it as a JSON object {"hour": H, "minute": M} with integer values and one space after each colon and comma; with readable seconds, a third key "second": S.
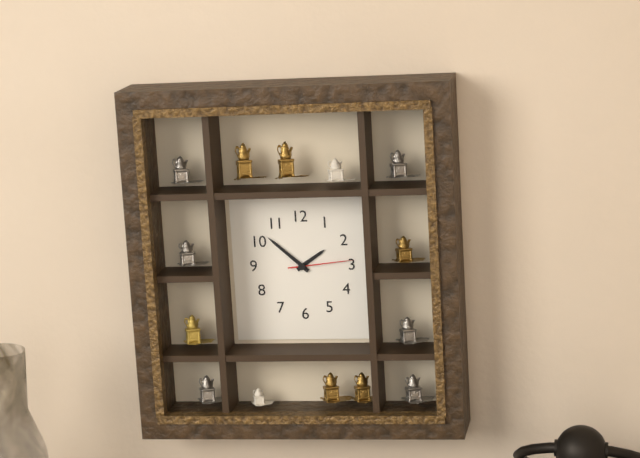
{"hour": 1, "minute": 52, "second": 14}
